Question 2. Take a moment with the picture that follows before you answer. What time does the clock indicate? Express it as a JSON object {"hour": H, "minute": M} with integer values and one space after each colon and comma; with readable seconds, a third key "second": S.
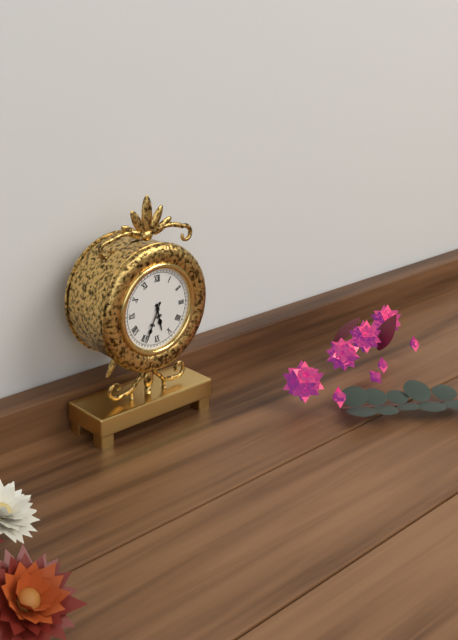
{"hour": 5, "minute": 34}
